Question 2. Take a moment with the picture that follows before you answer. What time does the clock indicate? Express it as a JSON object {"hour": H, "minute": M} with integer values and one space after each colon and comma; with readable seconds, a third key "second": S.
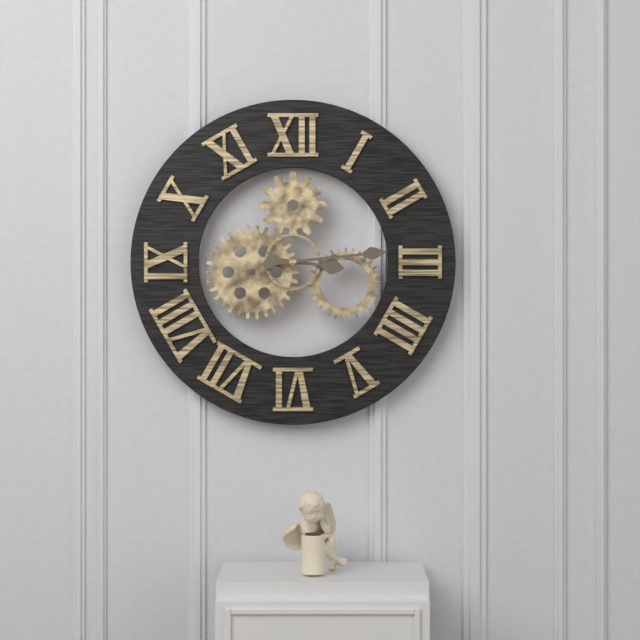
{"hour": 3, "minute": 14}
